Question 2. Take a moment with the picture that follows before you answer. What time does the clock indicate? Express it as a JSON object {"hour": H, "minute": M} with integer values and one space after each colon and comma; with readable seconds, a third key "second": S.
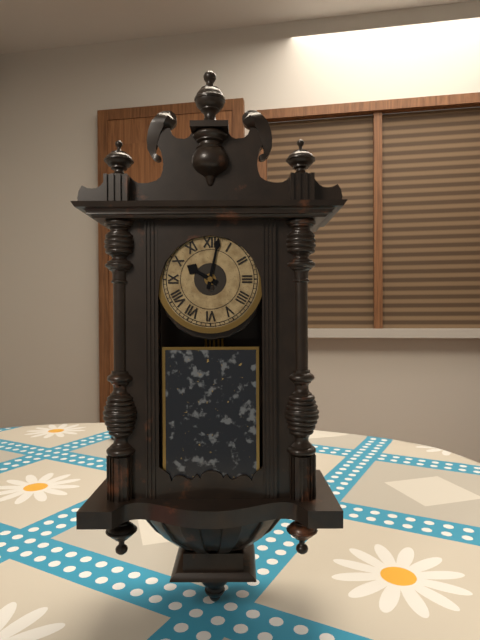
{"hour": 10, "minute": 2}
